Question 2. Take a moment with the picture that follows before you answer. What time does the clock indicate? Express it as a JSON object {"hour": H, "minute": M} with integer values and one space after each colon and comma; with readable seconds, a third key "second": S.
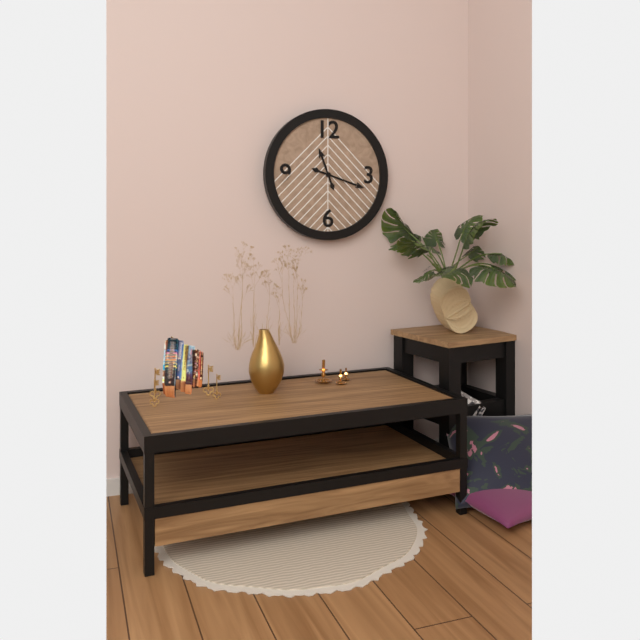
{"hour": 11, "minute": 18}
